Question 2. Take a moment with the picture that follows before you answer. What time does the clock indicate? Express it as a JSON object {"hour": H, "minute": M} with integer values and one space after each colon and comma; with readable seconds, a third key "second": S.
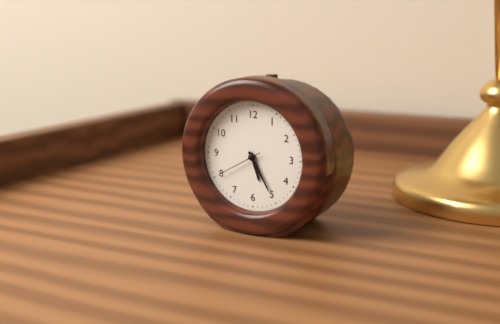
{"hour": 5, "minute": 25, "second": 40}
